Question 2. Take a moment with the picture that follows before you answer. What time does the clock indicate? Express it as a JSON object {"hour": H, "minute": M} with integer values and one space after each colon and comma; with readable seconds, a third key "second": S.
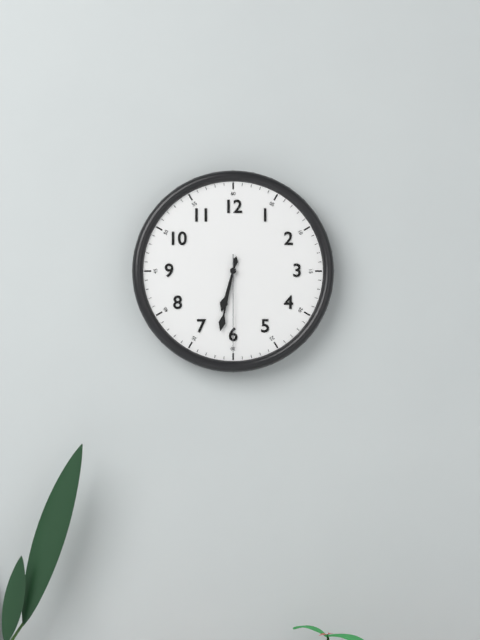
{"hour": 6, "minute": 32, "second": 30}
